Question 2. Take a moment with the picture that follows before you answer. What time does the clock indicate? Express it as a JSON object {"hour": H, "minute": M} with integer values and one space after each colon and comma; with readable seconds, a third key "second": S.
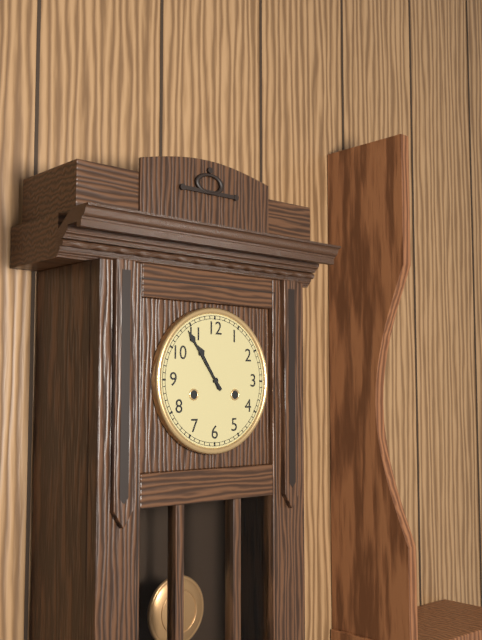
{"hour": 10, "minute": 54}
